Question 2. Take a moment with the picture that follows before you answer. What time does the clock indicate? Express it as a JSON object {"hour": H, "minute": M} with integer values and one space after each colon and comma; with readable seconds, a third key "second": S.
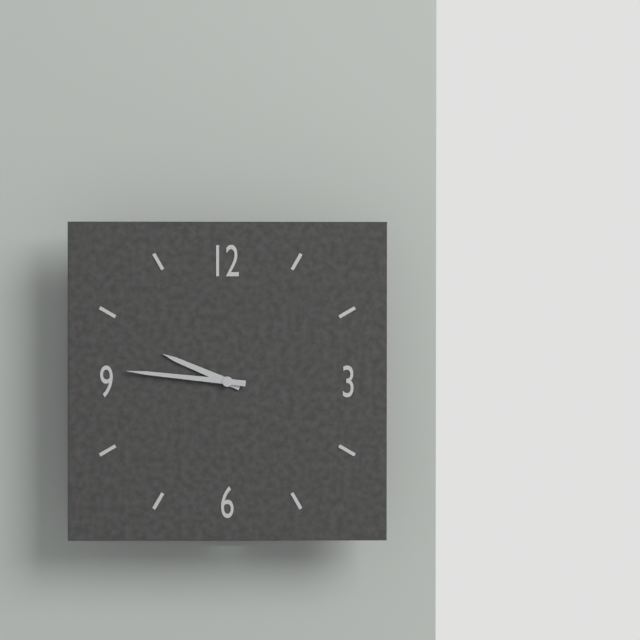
{"hour": 9, "minute": 46}
